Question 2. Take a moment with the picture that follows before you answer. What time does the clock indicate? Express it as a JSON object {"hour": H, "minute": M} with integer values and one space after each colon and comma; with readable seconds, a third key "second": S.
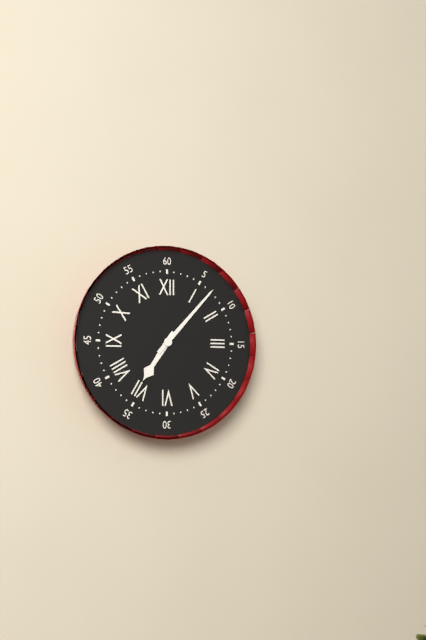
{"hour": 7, "minute": 7}
